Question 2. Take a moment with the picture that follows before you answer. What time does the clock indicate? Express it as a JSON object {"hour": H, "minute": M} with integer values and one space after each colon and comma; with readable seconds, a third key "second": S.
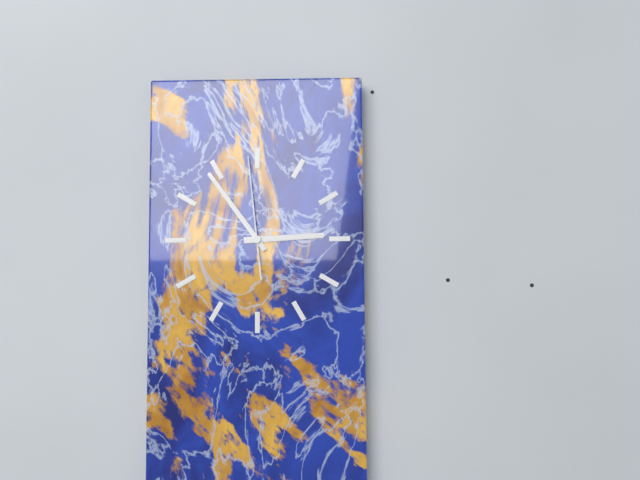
{"hour": 2, "minute": 54, "second": 59}
